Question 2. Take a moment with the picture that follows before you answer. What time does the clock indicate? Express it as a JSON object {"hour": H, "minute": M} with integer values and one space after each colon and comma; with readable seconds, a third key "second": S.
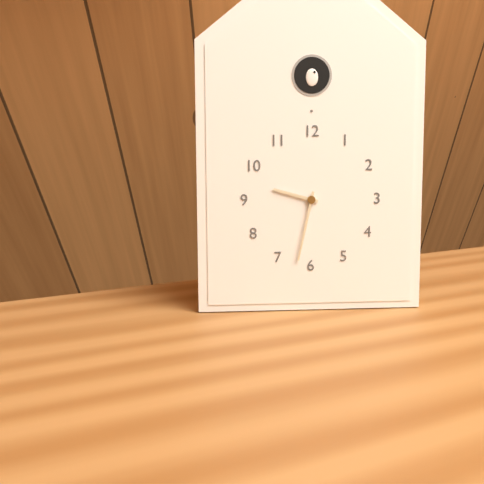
{"hour": 9, "minute": 32}
